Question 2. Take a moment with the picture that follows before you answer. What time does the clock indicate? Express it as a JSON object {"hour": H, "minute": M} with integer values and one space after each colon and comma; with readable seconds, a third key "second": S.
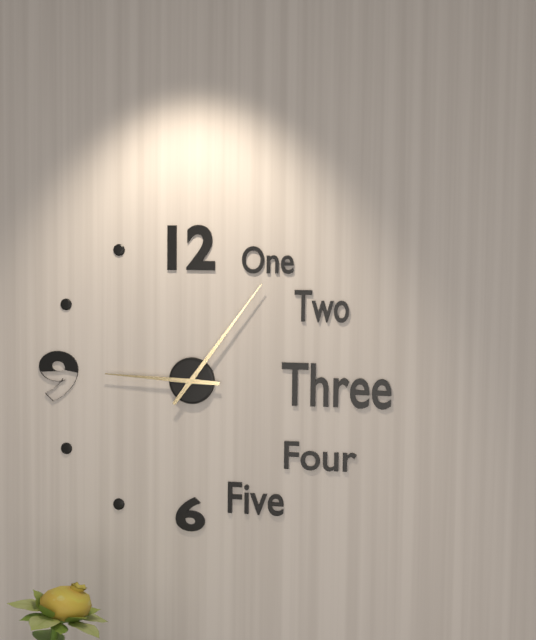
{"hour": 9, "minute": 6}
